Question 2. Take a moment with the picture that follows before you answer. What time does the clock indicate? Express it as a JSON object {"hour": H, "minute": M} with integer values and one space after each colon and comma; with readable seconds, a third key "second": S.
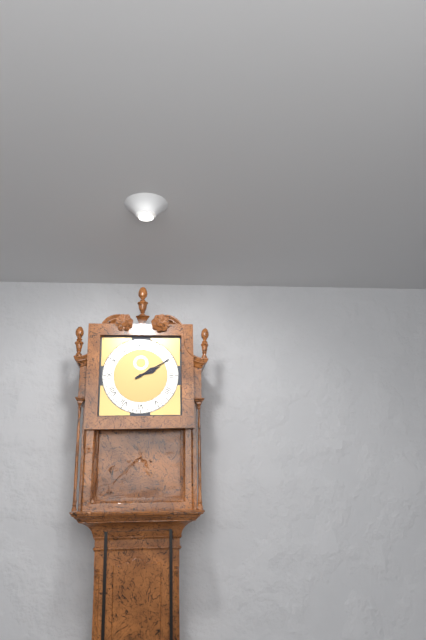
{"hour": 2, "minute": 10}
